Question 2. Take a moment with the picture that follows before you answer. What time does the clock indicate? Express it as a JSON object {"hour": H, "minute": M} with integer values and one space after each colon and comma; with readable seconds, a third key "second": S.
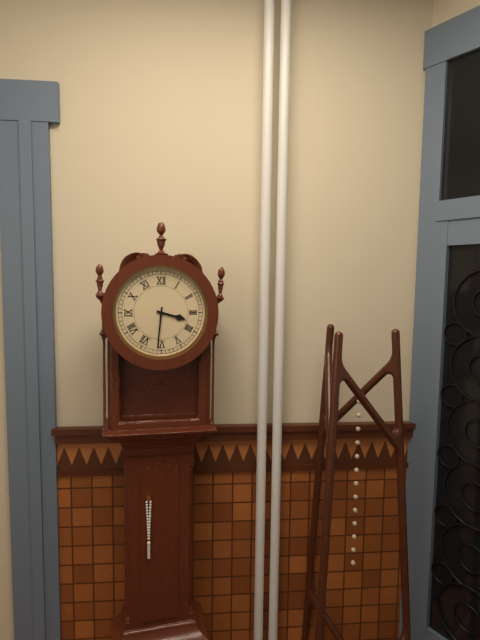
{"hour": 3, "minute": 31}
